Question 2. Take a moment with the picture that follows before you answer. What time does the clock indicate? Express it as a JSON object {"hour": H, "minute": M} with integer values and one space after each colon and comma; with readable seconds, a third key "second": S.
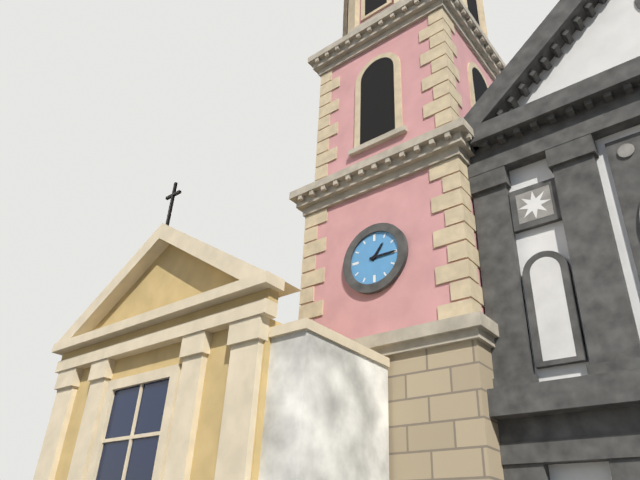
{"hour": 1, "minute": 15}
